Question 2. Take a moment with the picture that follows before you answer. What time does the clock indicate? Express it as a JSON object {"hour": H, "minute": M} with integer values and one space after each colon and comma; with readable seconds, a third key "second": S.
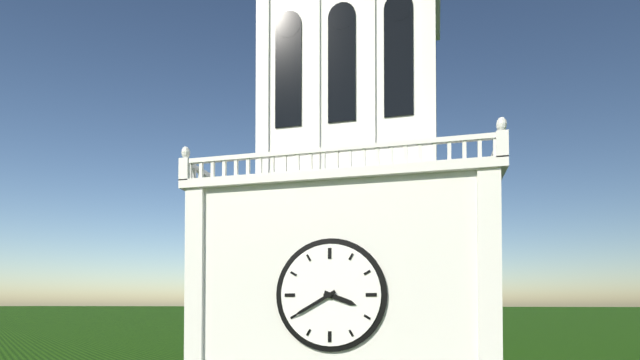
{"hour": 3, "minute": 40}
